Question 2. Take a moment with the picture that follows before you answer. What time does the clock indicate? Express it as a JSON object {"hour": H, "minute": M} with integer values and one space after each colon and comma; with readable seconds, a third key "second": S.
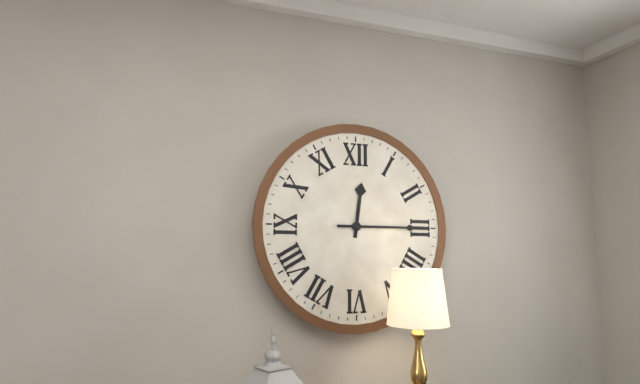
{"hour": 12, "minute": 15}
